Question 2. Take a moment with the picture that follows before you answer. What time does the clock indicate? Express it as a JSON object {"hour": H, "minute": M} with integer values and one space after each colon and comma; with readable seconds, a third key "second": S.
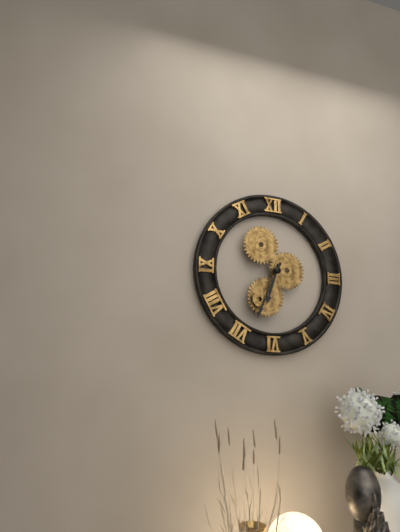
{"hour": 6, "minute": 34}
